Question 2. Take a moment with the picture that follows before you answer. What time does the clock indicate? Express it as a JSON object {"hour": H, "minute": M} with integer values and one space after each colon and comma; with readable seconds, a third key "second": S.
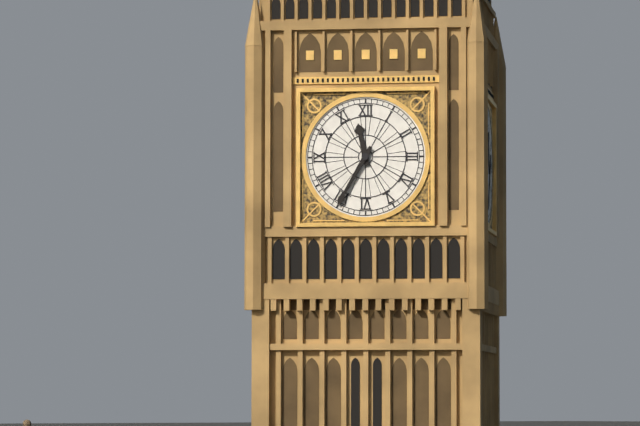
{"hour": 11, "minute": 35}
